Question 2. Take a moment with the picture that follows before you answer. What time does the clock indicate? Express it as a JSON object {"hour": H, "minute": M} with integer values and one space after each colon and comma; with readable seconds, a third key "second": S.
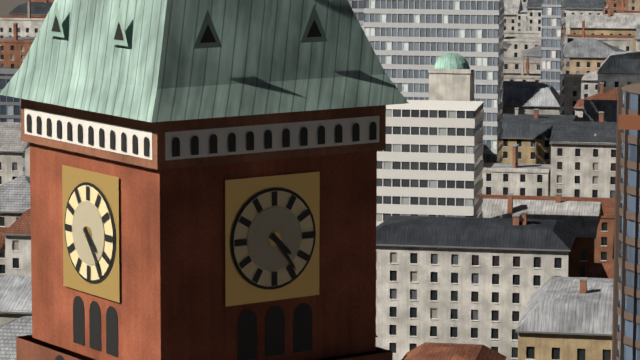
{"hour": 4, "minute": 24}
